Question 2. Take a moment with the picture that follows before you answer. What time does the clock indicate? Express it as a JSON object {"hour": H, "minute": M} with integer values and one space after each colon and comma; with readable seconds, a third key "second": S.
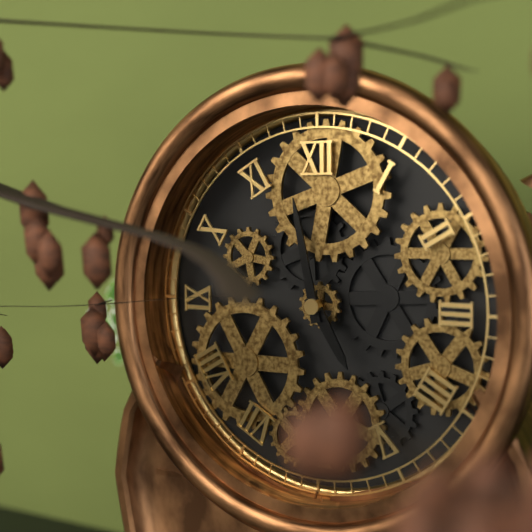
{"hour": 4, "minute": 58}
